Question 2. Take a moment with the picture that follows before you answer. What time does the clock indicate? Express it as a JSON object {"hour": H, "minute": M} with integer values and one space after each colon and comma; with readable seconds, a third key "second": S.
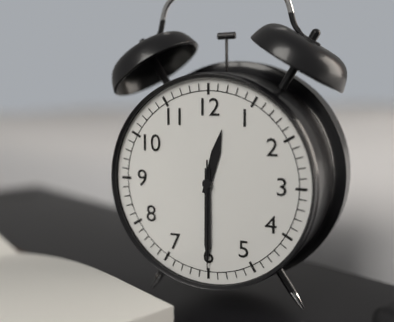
{"hour": 12, "minute": 30, "second": 30}
